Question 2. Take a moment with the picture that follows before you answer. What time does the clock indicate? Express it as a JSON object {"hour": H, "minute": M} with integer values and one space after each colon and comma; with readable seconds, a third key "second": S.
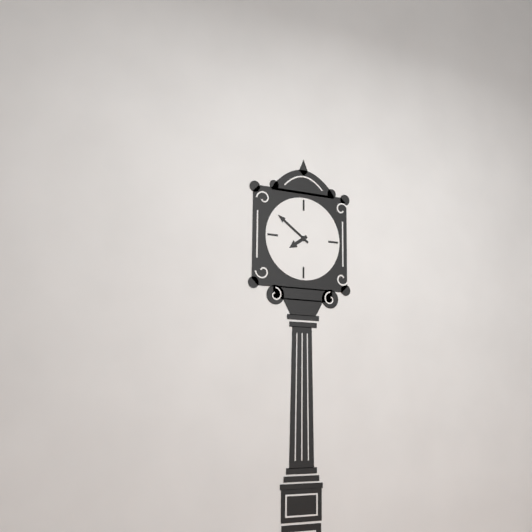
{"hour": 7, "minute": 51}
